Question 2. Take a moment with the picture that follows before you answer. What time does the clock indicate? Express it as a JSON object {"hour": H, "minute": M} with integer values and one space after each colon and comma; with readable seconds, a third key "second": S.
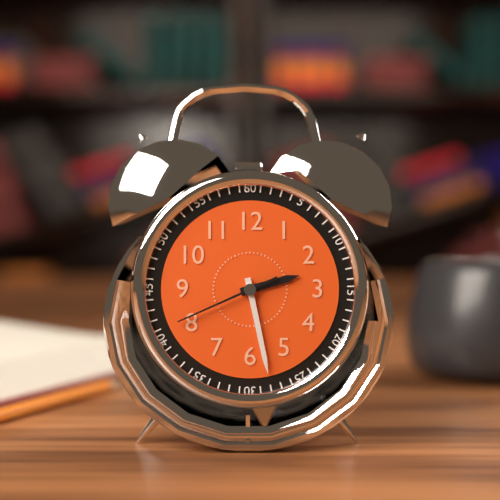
{"hour": 2, "minute": 28, "second": 41}
